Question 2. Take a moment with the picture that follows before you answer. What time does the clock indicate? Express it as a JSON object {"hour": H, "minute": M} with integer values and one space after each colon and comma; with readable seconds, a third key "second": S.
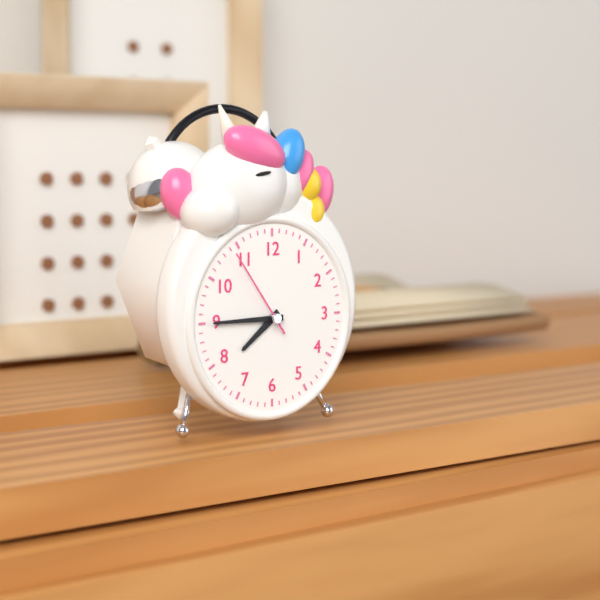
{"hour": 7, "minute": 45, "second": 54}
